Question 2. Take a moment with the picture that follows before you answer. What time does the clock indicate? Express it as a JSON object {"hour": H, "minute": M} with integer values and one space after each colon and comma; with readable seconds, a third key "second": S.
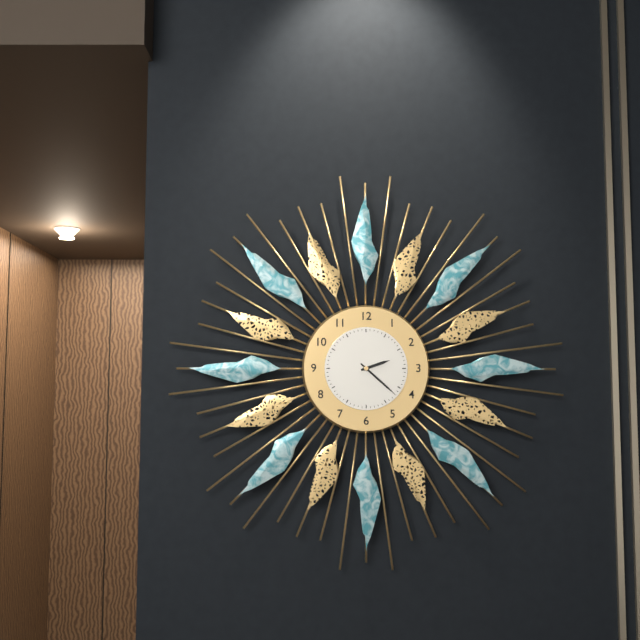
{"hour": 2, "minute": 22}
